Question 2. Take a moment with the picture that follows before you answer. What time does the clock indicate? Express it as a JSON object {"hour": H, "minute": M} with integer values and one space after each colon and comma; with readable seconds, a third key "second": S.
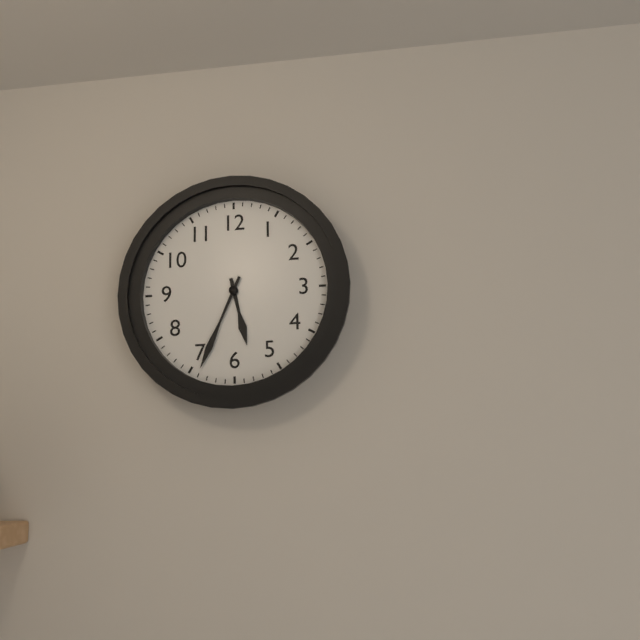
{"hour": 5, "minute": 34}
